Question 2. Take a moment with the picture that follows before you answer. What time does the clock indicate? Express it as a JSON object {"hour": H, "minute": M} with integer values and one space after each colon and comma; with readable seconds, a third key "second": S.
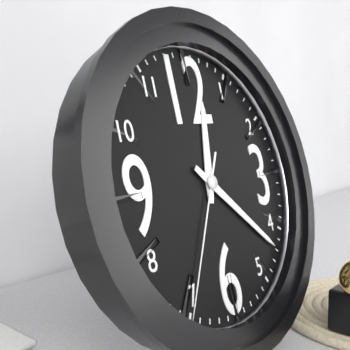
{"hour": 12, "minute": 22, "second": 35}
